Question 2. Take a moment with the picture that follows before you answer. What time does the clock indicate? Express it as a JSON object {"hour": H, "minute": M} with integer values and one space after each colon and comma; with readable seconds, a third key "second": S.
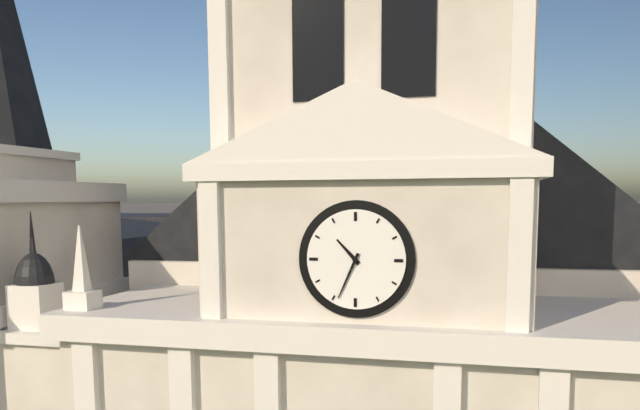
{"hour": 10, "minute": 34}
